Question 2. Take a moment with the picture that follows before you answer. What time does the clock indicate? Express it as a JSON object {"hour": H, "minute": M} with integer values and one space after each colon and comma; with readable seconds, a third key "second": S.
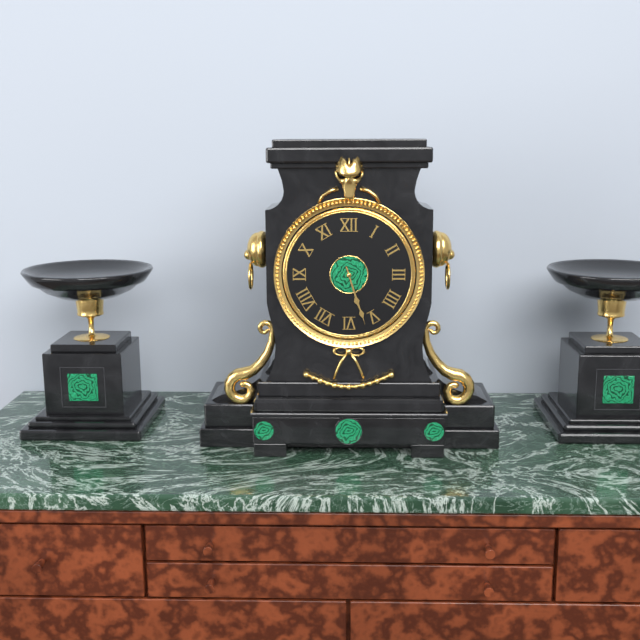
{"hour": 5, "minute": 27}
